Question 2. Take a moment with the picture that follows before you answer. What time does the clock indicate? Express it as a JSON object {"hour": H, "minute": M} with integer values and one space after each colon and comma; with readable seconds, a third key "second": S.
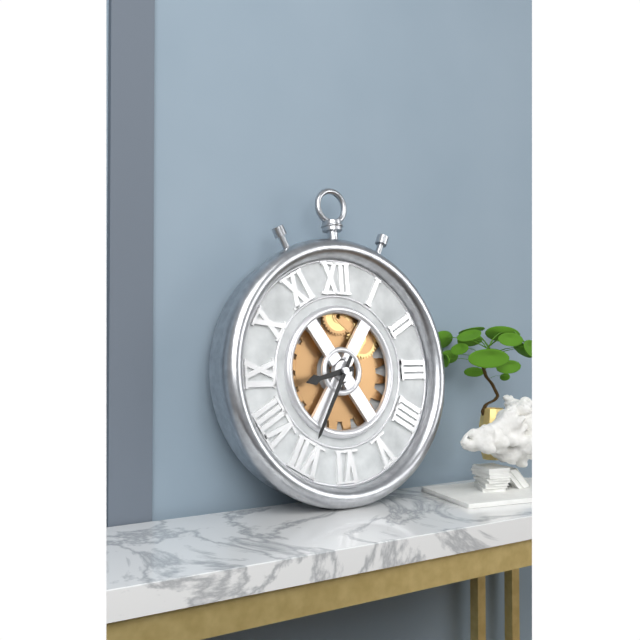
{"hour": 8, "minute": 35}
